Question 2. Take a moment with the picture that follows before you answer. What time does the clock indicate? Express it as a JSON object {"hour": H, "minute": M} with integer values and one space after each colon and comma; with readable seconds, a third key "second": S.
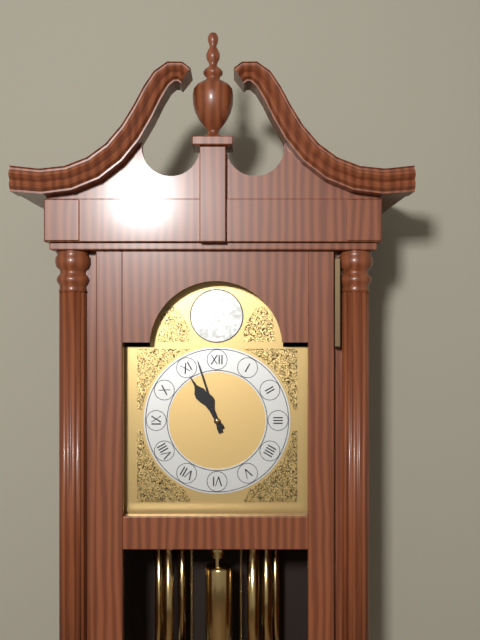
{"hour": 10, "minute": 57}
